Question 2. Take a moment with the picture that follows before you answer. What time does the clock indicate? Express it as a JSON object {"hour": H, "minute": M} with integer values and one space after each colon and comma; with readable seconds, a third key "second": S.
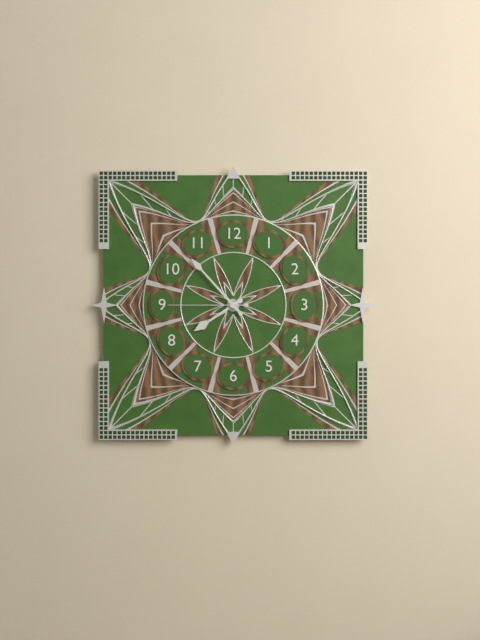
{"hour": 7, "minute": 53, "second": 45}
